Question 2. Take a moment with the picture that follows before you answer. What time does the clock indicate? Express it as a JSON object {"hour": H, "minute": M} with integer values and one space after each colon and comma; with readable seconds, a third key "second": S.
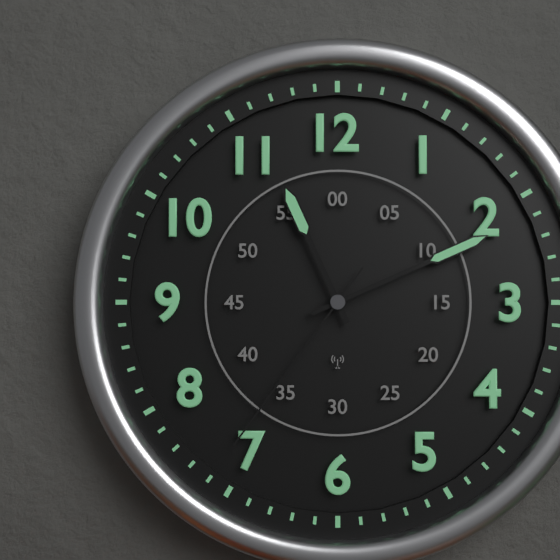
{"hour": 11, "minute": 11, "second": 36}
